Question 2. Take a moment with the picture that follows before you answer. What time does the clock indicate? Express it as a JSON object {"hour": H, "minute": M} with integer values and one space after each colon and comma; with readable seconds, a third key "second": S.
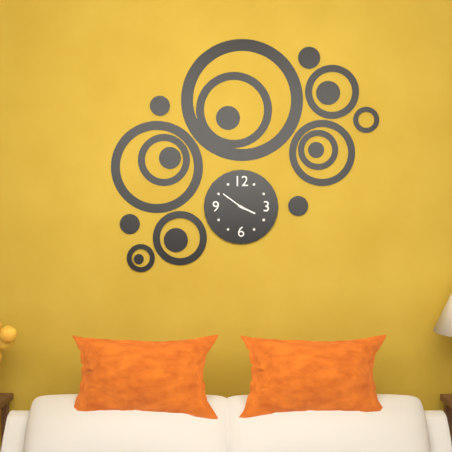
{"hour": 3, "minute": 51}
